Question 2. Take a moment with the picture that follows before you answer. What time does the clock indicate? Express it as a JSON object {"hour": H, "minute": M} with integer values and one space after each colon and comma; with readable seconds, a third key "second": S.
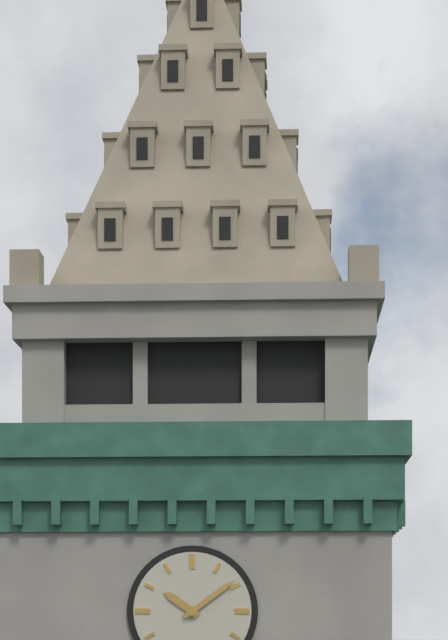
{"hour": 10, "minute": 9}
